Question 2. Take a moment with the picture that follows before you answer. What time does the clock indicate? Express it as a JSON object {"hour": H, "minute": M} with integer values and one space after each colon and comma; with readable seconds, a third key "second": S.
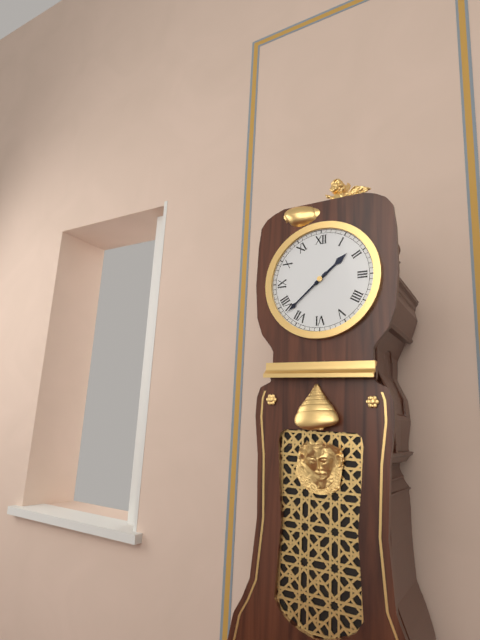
{"hour": 1, "minute": 38}
